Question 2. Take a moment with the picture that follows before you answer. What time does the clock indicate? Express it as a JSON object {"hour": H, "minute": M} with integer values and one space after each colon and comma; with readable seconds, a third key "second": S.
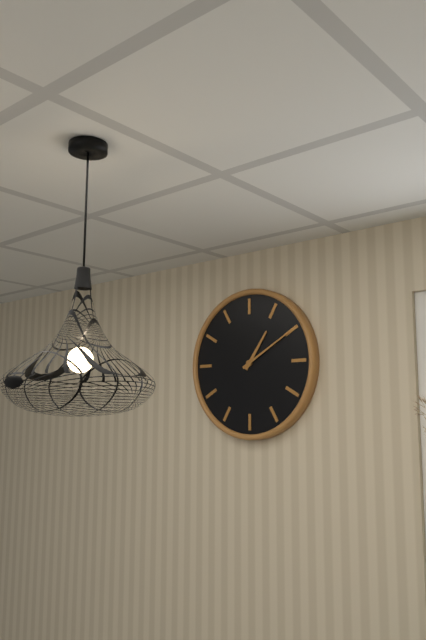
{"hour": 1, "minute": 10}
